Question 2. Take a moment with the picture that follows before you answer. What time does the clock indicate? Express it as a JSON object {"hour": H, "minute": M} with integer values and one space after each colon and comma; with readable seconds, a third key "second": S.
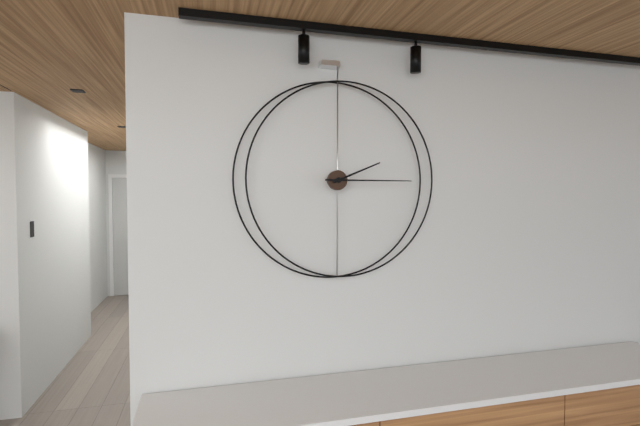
{"hour": 2, "minute": 15}
